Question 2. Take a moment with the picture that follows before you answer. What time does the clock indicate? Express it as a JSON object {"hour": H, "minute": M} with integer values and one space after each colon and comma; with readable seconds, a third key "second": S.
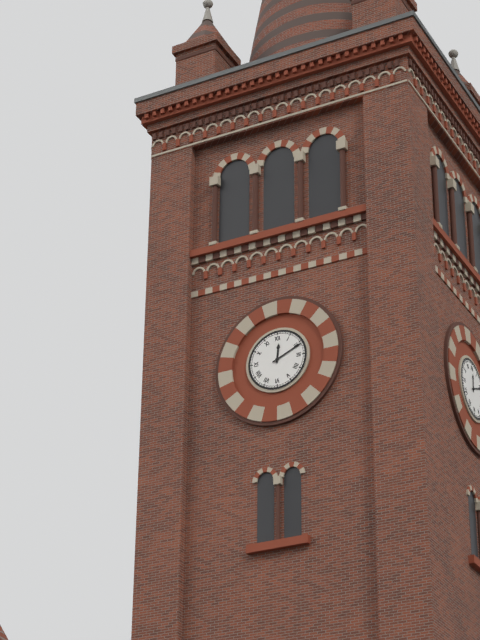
{"hour": 12, "minute": 11}
